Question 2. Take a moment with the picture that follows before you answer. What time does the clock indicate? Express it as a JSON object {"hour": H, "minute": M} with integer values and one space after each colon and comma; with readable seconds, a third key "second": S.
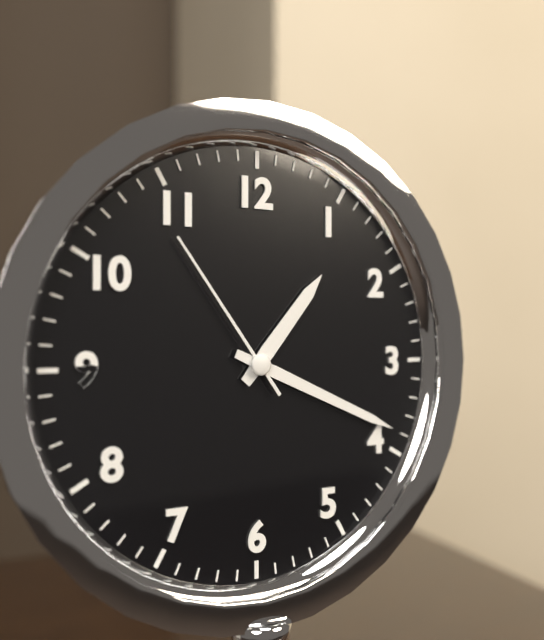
{"hour": 1, "minute": 19, "second": 54}
